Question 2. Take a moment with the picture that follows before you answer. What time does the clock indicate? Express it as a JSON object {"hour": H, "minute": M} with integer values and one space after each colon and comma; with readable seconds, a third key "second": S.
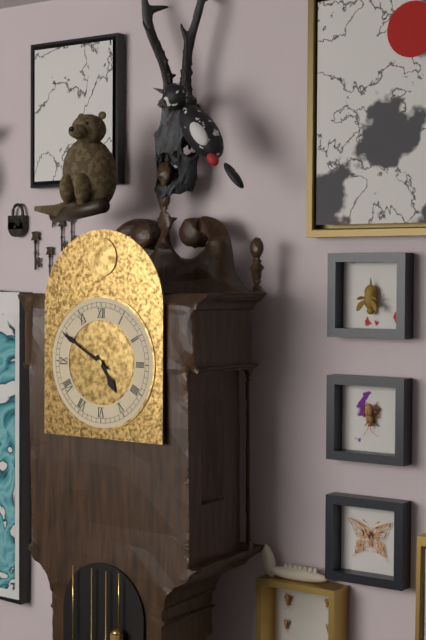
{"hour": 4, "minute": 50}
